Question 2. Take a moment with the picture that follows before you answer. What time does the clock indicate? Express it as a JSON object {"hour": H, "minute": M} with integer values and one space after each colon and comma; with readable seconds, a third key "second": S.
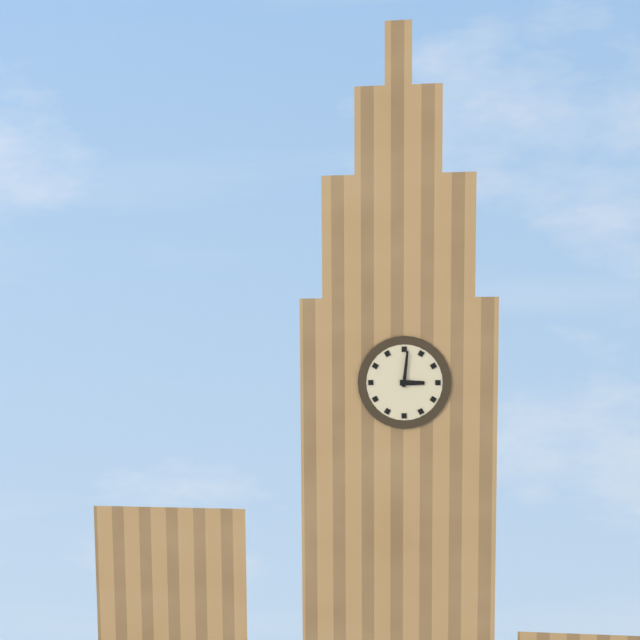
{"hour": 3, "minute": 1}
